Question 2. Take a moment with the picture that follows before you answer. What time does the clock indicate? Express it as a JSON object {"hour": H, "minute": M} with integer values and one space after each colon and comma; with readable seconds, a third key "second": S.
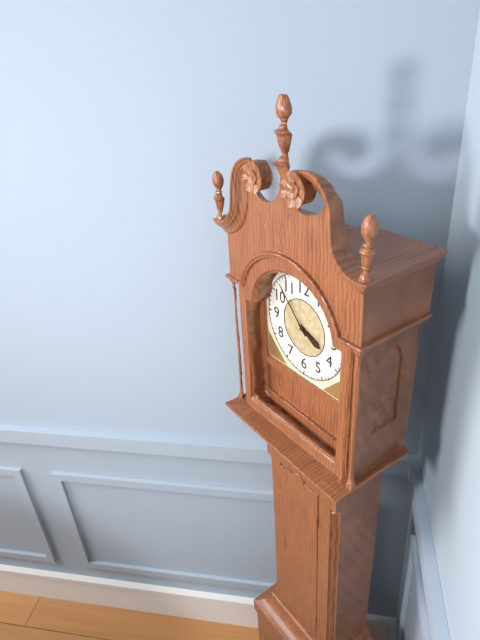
{"hour": 3, "minute": 53}
